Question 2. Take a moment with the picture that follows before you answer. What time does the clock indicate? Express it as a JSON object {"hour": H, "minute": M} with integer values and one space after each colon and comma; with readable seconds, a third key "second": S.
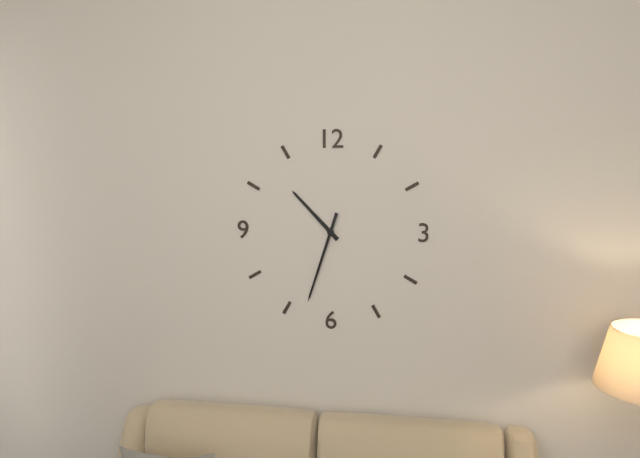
{"hour": 10, "minute": 33}
